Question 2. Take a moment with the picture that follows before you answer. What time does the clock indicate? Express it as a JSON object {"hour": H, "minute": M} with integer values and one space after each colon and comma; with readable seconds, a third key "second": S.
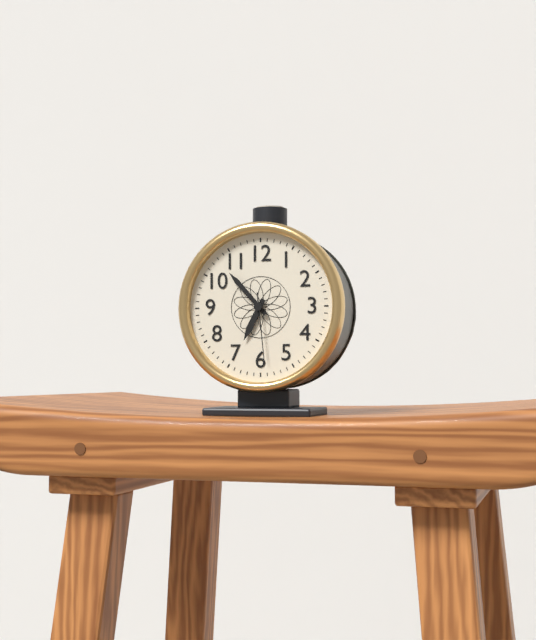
{"hour": 6, "minute": 53, "second": 29}
